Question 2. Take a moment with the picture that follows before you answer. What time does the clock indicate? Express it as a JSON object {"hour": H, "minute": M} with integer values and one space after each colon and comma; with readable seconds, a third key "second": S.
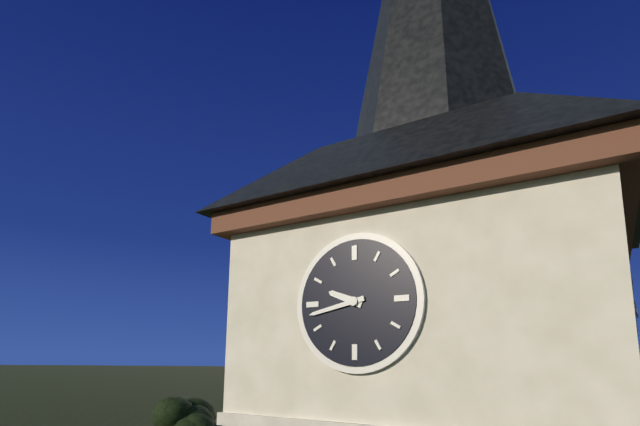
{"hour": 9, "minute": 43}
